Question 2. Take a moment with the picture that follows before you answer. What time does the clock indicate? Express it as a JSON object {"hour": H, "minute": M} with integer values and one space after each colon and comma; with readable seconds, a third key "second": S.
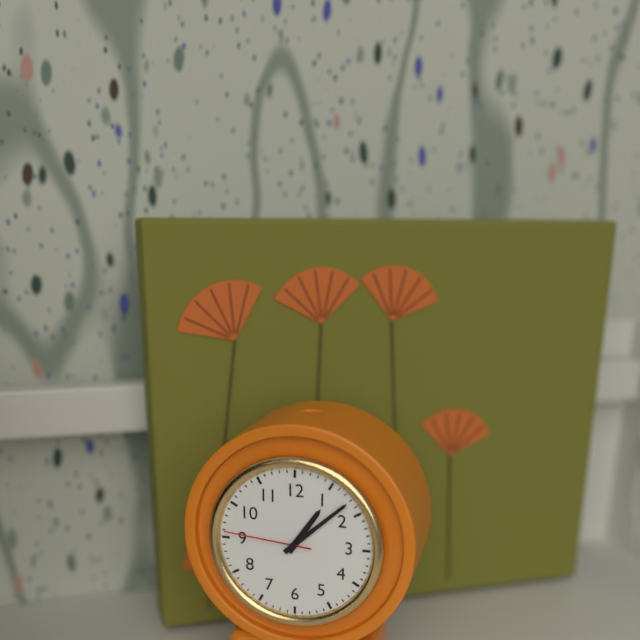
{"hour": 1, "minute": 8, "second": 46}
